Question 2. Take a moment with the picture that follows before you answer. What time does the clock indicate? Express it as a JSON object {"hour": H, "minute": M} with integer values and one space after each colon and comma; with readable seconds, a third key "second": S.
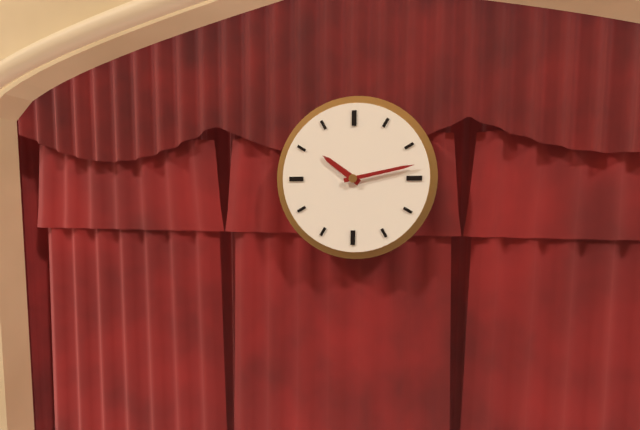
{"hour": 10, "minute": 13}
